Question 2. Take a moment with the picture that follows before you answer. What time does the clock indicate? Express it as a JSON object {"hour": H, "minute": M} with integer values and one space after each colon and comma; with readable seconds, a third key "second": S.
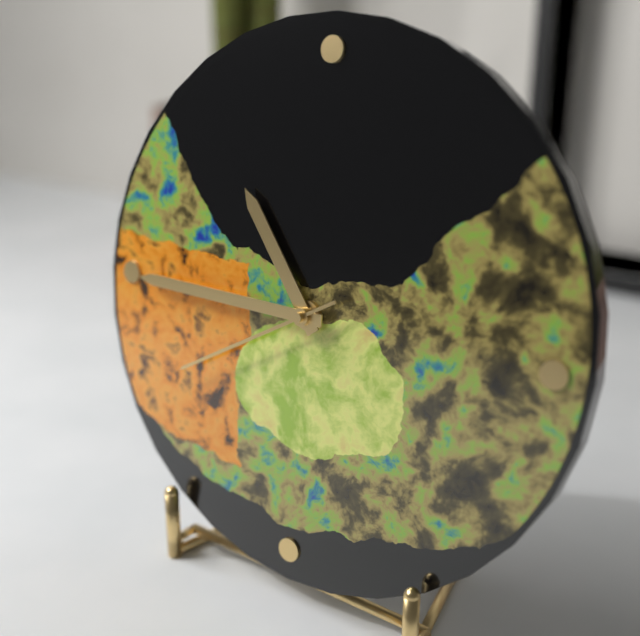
{"hour": 10, "minute": 45, "second": 40}
